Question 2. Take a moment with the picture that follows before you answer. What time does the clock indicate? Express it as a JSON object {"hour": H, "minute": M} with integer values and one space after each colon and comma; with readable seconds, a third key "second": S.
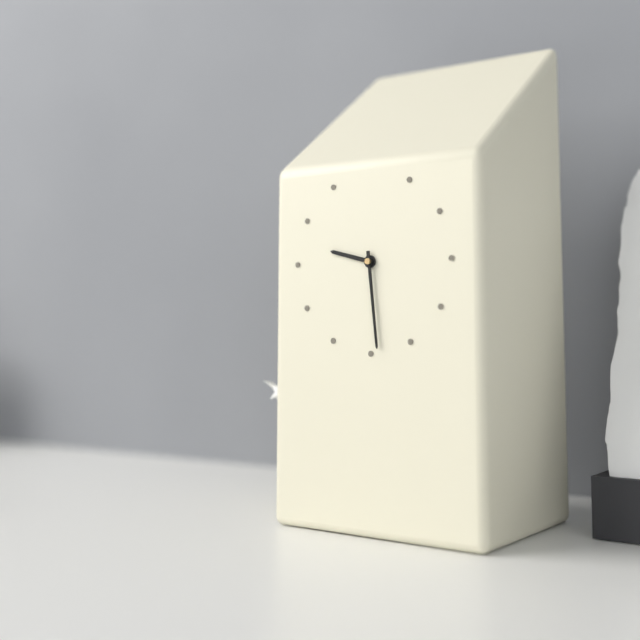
{"hour": 9, "minute": 29}
